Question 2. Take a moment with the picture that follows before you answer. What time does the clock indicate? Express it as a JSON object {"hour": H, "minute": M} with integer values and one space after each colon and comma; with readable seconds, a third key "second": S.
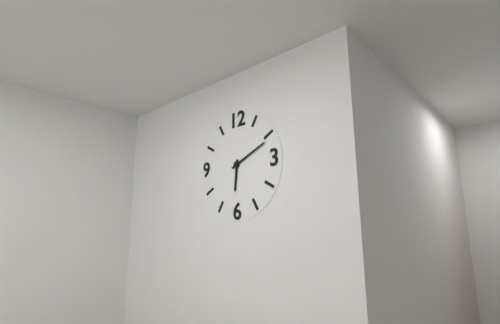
{"hour": 6, "minute": 11}
